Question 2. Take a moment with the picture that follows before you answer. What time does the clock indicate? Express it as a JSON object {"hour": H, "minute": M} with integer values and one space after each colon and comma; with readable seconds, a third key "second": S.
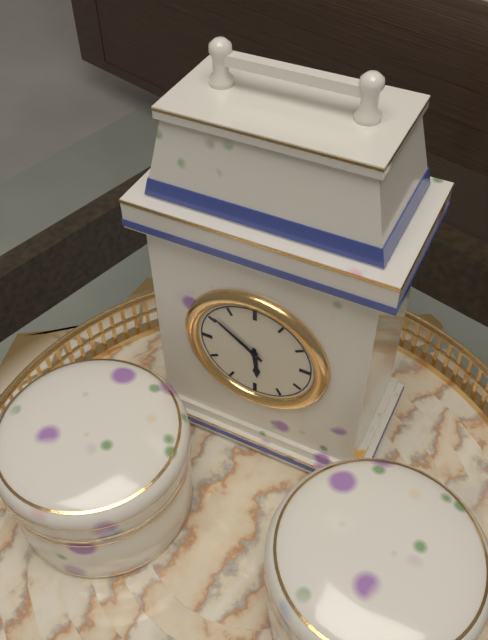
{"hour": 5, "minute": 51}
